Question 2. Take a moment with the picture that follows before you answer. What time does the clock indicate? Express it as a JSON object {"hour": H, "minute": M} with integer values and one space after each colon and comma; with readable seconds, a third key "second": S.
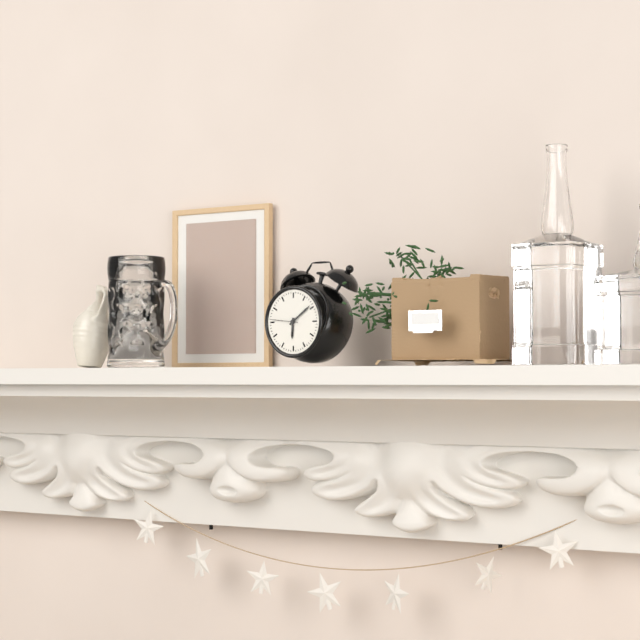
{"hour": 6, "minute": 9}
